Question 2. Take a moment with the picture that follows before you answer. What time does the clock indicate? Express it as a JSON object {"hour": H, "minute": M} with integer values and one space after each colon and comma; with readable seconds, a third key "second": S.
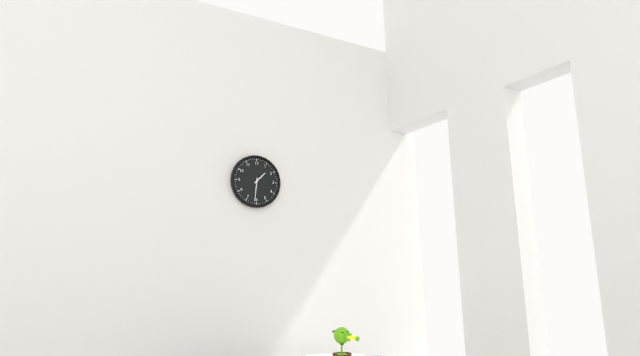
{"hour": 1, "minute": 31}
